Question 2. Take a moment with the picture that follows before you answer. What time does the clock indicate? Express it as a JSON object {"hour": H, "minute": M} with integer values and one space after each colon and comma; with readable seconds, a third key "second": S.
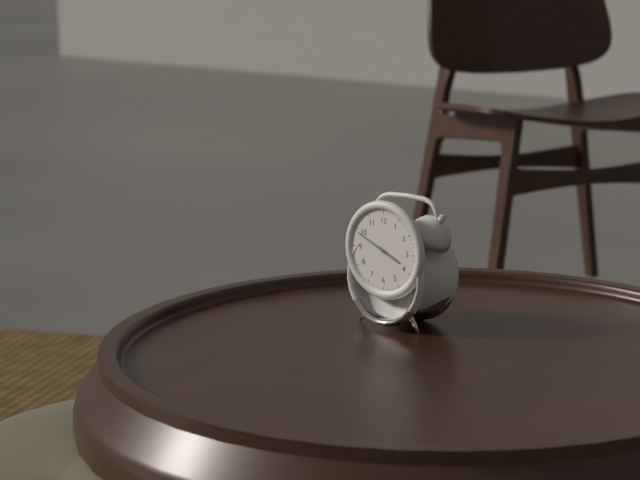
{"hour": 3, "minute": 49}
